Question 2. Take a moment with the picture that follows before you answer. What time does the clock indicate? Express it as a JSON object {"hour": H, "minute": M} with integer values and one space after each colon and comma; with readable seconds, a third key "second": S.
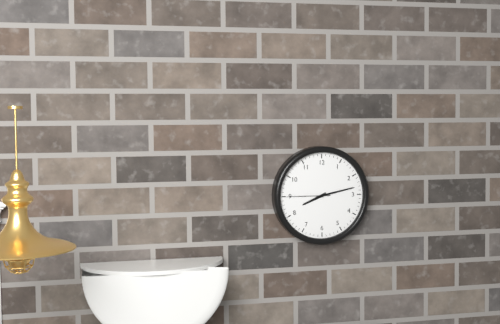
{"hour": 8, "minute": 13}
